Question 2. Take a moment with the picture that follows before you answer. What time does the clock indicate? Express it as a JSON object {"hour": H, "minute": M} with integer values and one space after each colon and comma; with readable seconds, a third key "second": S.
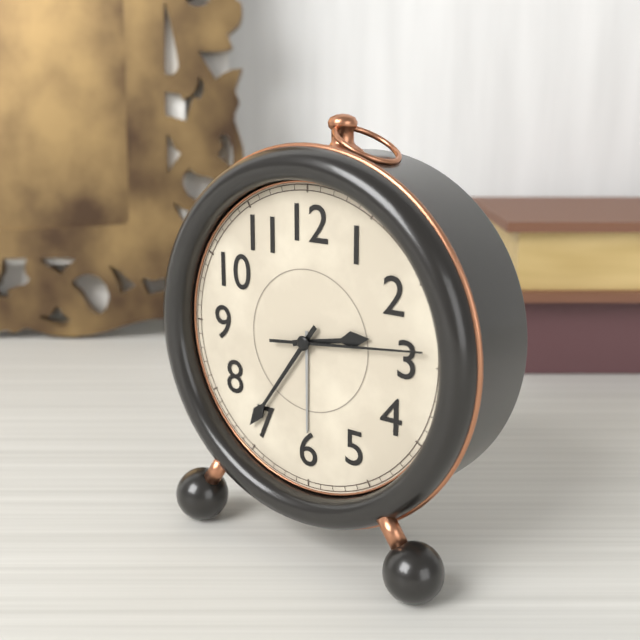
{"hour": 2, "minute": 36, "second": 14}
